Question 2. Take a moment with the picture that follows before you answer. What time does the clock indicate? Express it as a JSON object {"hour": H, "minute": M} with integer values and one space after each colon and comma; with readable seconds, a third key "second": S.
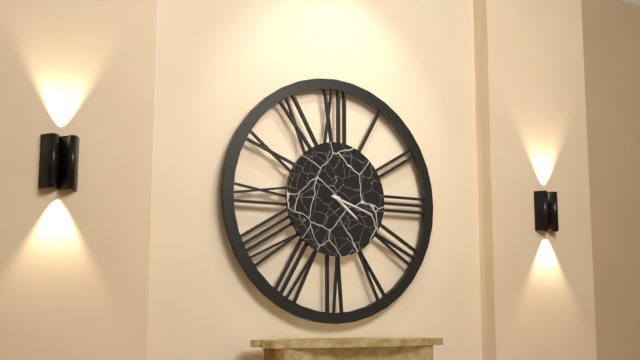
{"hour": 4, "minute": 18}
